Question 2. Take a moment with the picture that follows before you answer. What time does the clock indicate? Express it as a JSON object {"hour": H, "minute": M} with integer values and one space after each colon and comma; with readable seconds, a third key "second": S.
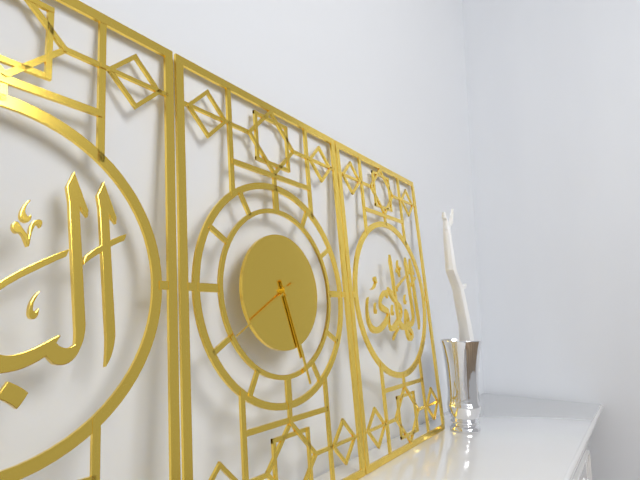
{"hour": 5, "minute": 27, "second": 40}
